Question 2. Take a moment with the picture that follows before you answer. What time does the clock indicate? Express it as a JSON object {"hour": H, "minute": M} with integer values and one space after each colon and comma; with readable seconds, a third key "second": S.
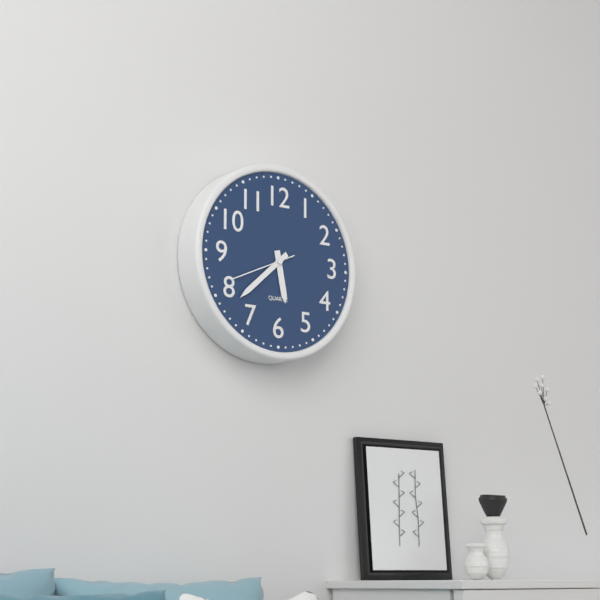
{"hour": 5, "minute": 38, "second": 41}
